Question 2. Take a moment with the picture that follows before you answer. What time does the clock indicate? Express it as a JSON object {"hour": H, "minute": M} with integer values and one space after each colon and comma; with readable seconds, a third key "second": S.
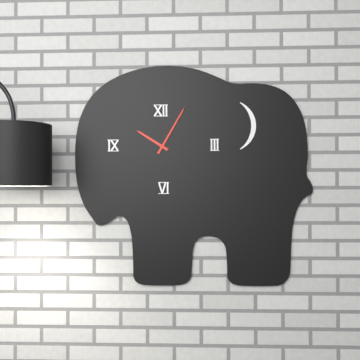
{"hour": 10, "minute": 5}
